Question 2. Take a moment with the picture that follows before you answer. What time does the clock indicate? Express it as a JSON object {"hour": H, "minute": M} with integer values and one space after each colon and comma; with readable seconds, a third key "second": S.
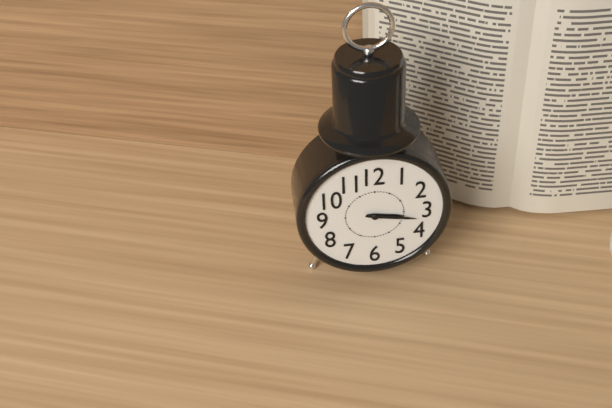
{"hour": 3, "minute": 17}
